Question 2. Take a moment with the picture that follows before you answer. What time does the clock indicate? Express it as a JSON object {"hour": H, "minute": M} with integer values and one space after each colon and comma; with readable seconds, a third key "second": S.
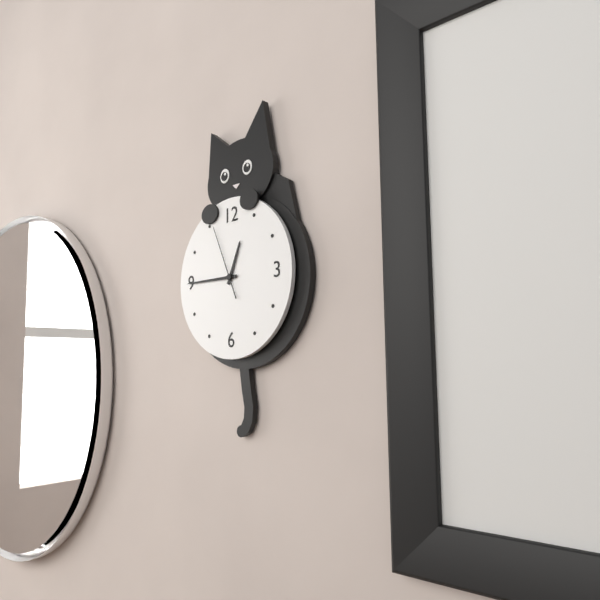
{"hour": 12, "minute": 45, "second": 56}
